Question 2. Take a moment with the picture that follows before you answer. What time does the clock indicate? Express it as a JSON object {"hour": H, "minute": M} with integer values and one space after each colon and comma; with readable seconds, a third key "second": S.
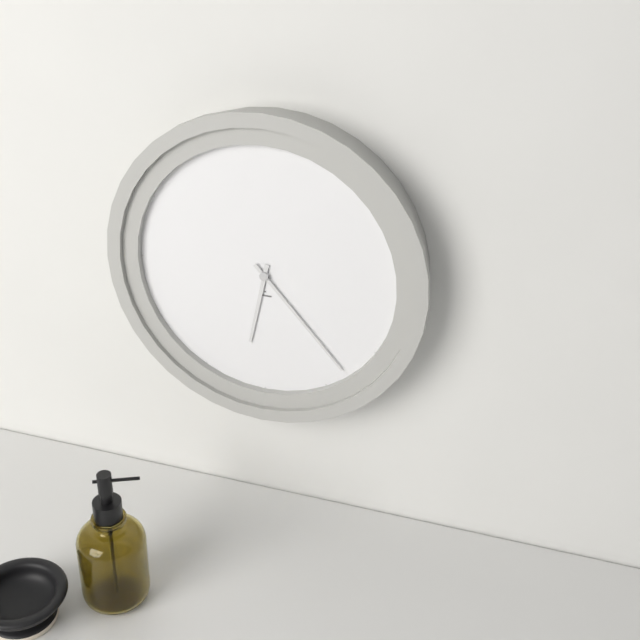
{"hour": 6, "minute": 23}
